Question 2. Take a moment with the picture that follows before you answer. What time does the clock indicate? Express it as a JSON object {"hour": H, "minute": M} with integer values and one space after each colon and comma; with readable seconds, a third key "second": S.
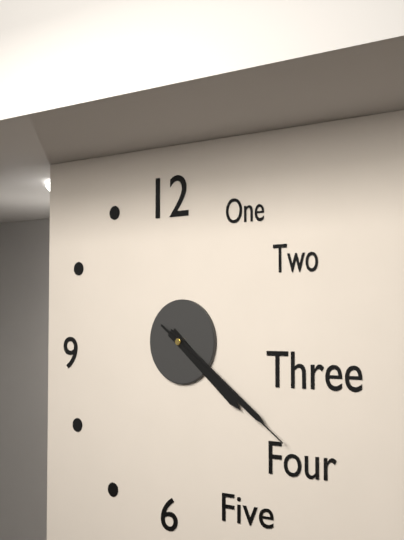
{"hour": 4, "minute": 21, "second": 21}
